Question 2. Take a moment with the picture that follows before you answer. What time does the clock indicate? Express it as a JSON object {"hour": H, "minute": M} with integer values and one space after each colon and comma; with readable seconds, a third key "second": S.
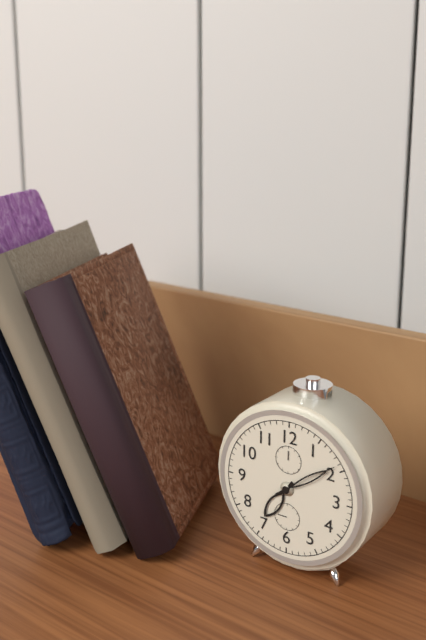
{"hour": 7, "minute": 9}
